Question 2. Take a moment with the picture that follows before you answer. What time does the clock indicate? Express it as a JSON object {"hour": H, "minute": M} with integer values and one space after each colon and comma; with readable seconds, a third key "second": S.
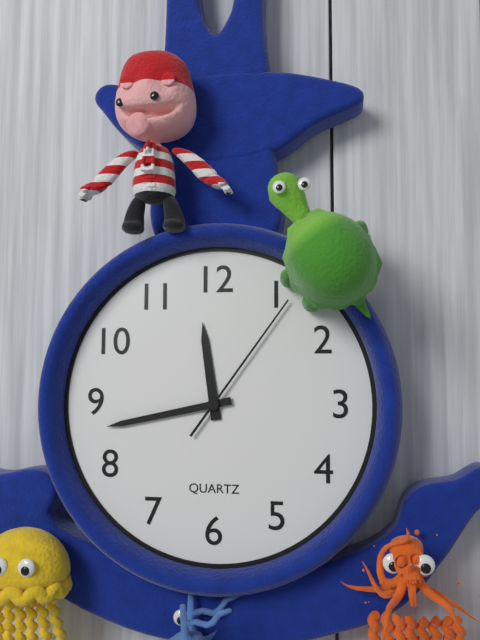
{"hour": 11, "minute": 43, "second": 6}
